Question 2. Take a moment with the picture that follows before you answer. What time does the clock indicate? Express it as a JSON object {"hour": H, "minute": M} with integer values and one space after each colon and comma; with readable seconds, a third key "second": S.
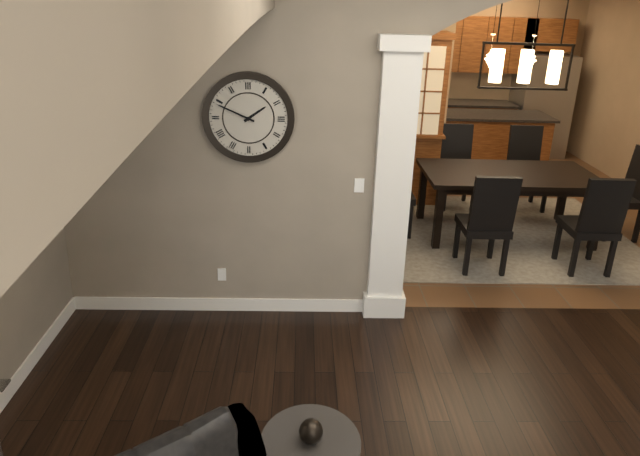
{"hour": 1, "minute": 49}
